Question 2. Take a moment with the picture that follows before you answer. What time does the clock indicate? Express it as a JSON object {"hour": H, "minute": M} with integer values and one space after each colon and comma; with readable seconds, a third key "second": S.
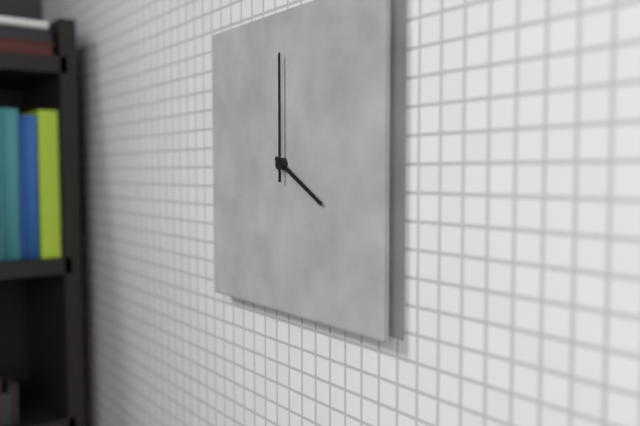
{"hour": 4, "minute": 0}
